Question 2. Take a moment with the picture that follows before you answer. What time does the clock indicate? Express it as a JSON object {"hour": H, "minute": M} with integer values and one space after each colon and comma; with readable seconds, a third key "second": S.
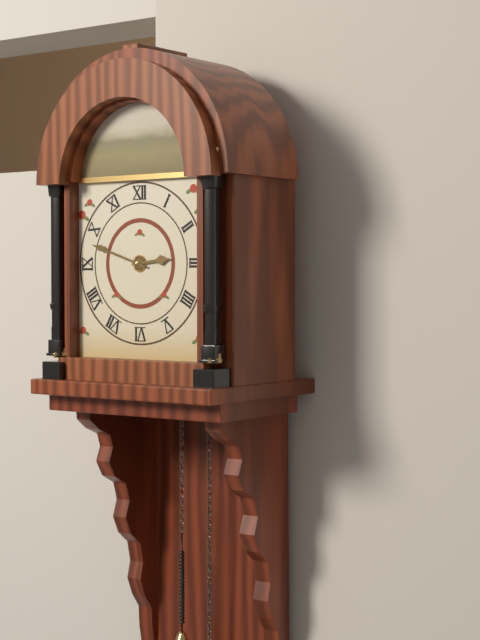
{"hour": 2, "minute": 48}
